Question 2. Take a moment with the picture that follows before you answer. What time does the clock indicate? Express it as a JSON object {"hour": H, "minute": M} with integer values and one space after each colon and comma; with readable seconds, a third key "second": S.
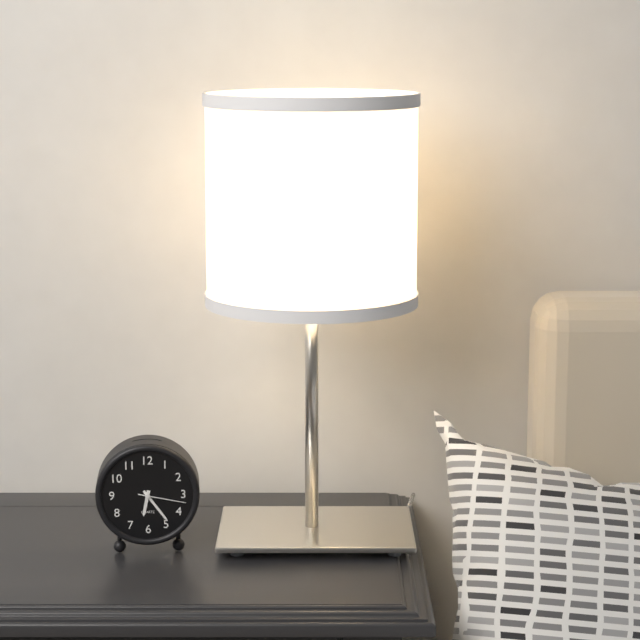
{"hour": 6, "minute": 24}
